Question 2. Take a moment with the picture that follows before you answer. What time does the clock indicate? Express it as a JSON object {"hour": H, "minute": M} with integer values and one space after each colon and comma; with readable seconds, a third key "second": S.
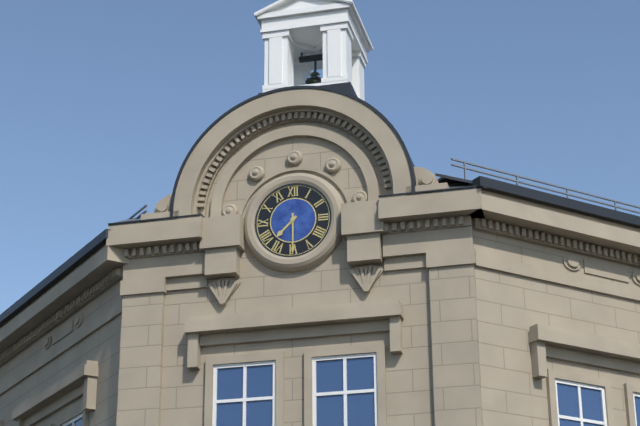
{"hour": 7, "minute": 30}
